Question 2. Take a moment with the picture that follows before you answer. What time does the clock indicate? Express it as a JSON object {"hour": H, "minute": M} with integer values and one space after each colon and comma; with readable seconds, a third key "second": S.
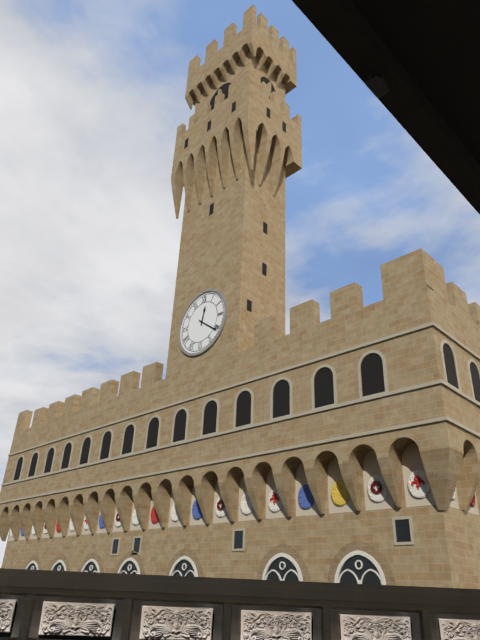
{"hour": 12, "minute": 21}
